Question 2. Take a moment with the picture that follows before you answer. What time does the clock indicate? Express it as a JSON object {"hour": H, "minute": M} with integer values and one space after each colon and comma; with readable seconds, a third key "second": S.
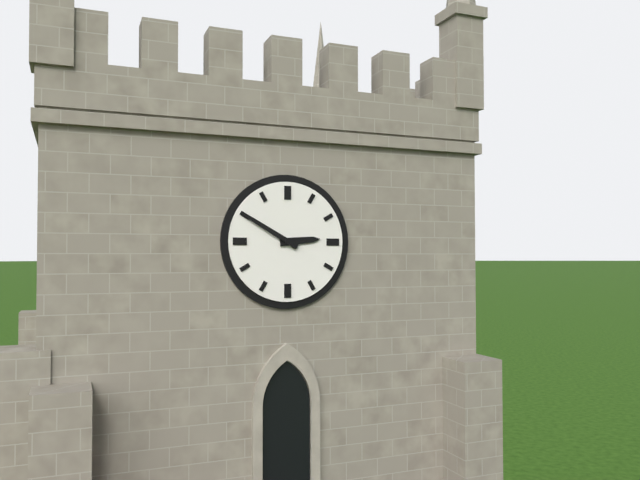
{"hour": 2, "minute": 50}
